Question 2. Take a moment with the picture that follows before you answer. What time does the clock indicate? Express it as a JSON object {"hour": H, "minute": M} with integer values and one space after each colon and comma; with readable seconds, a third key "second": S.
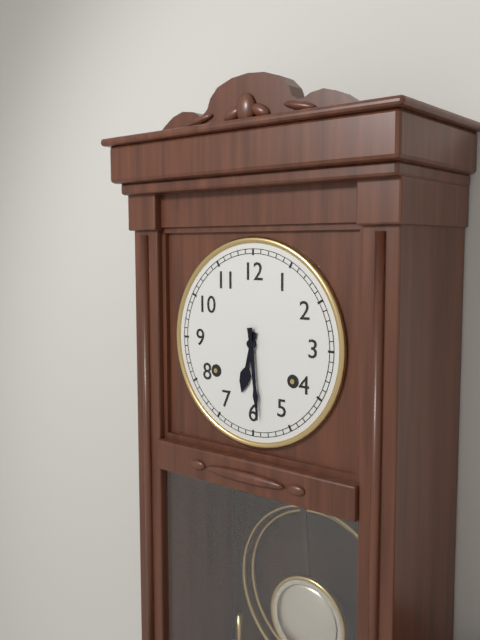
{"hour": 6, "minute": 29}
